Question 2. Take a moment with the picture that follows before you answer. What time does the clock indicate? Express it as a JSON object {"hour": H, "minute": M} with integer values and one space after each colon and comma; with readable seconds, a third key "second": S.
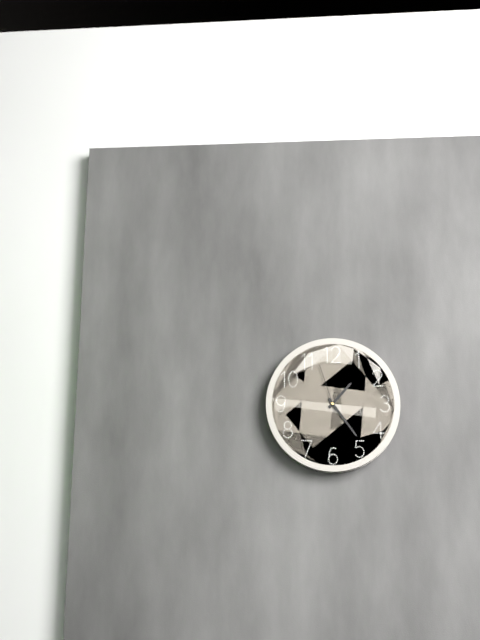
{"hour": 1, "minute": 24, "second": 57}
